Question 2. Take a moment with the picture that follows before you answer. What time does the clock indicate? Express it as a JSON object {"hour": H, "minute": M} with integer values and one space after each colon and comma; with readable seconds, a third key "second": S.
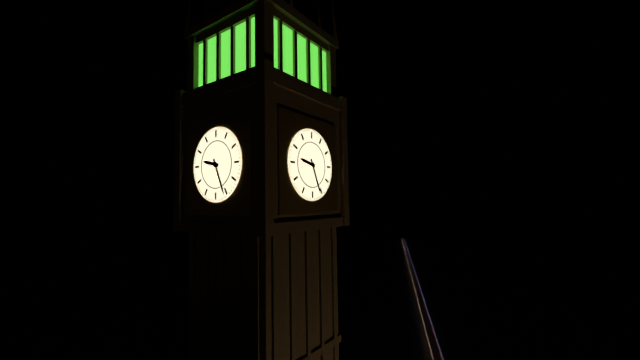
{"hour": 9, "minute": 26}
